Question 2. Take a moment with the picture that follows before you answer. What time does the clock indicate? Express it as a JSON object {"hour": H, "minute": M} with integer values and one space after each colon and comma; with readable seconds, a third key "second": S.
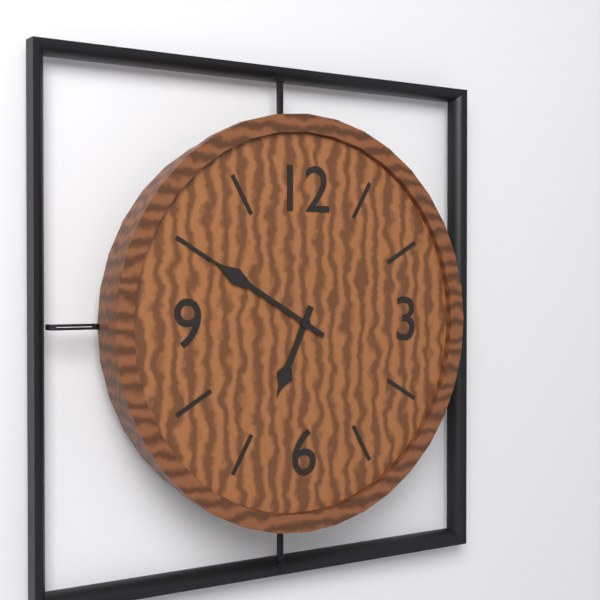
{"hour": 6, "minute": 50}
